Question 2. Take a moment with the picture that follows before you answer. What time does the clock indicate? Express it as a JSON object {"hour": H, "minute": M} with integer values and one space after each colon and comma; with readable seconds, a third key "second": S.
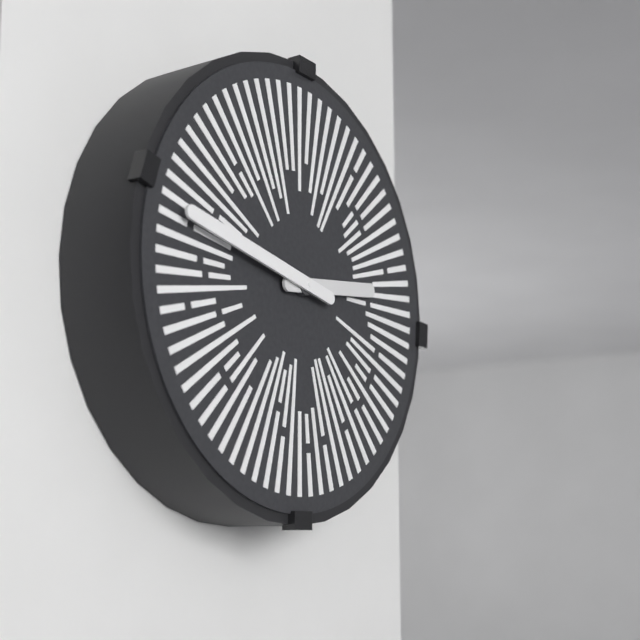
{"hour": 2, "minute": 47}
